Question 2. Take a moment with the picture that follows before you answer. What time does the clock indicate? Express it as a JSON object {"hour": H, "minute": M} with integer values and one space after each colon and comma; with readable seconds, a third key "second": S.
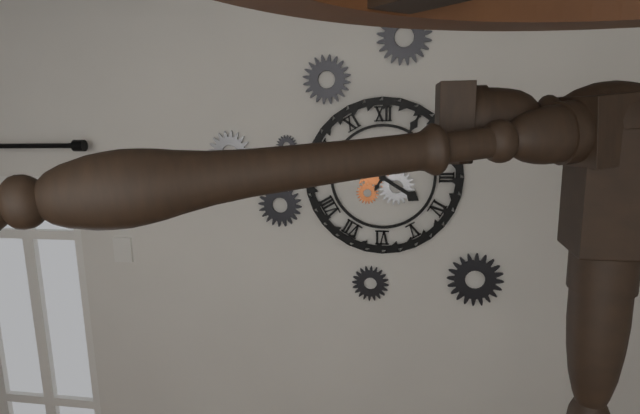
{"hour": 4, "minute": 5}
